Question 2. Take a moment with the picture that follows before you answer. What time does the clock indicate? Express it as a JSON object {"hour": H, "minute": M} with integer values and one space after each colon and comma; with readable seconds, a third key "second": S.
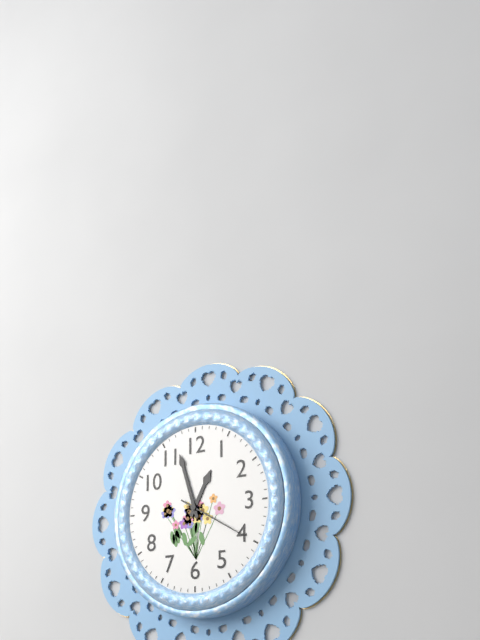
{"hour": 12, "minute": 57, "second": 20}
